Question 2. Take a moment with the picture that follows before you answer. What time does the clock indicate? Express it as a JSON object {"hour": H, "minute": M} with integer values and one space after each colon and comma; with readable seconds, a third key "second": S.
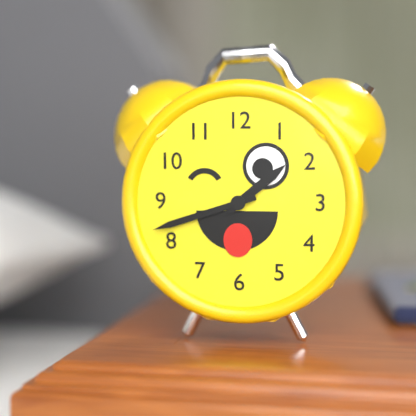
{"hour": 1, "minute": 42}
